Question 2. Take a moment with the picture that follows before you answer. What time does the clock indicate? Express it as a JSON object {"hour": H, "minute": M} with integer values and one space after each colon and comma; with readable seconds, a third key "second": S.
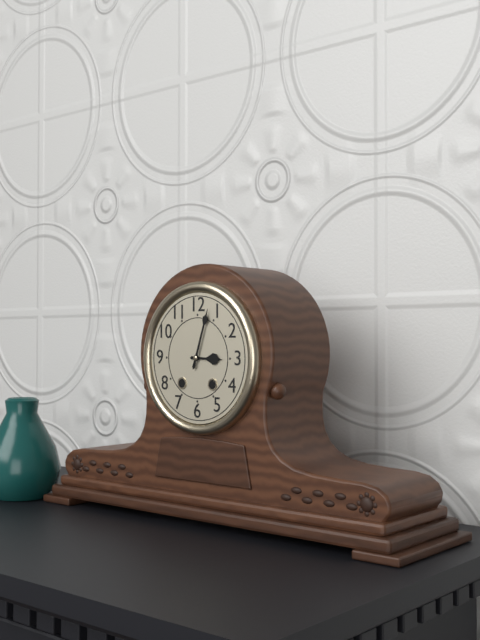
{"hour": 3, "minute": 3}
